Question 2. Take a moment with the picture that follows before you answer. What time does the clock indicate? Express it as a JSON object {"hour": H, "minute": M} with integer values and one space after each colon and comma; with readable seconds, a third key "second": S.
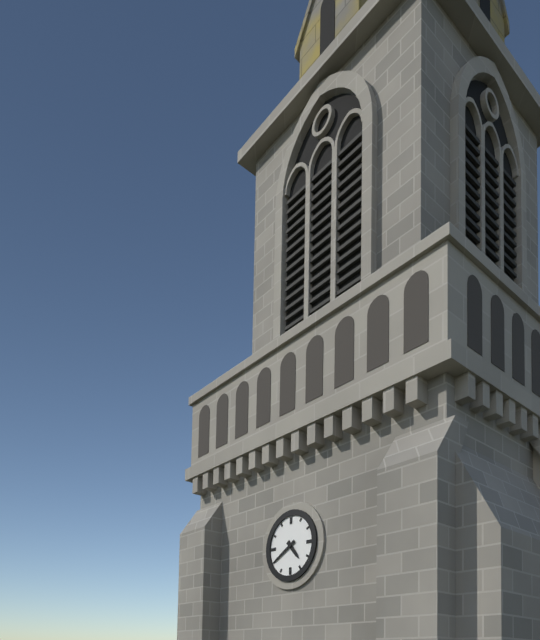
{"hour": 4, "minute": 40}
